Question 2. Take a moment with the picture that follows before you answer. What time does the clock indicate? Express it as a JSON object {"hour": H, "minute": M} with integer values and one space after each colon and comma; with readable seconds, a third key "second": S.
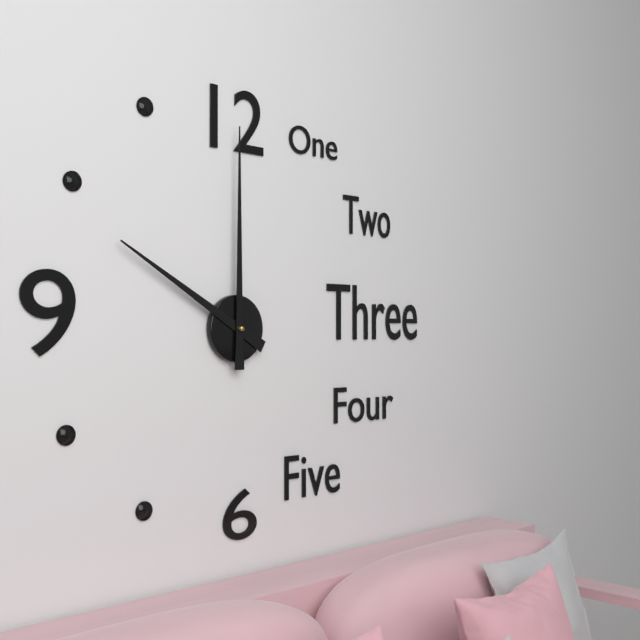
{"hour": 10, "minute": 0}
